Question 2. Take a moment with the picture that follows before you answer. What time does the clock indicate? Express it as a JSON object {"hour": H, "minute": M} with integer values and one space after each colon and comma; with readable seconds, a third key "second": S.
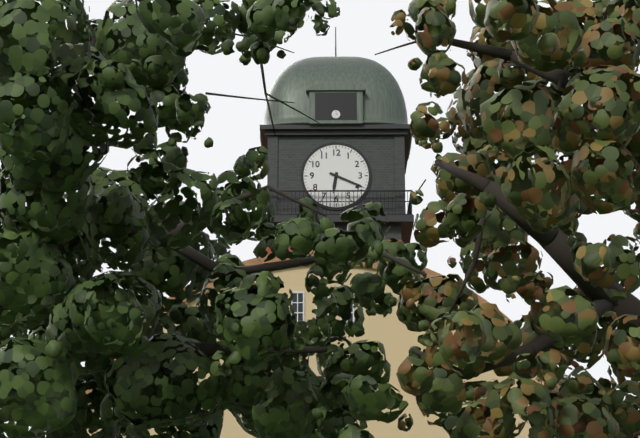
{"hour": 6, "minute": 19}
